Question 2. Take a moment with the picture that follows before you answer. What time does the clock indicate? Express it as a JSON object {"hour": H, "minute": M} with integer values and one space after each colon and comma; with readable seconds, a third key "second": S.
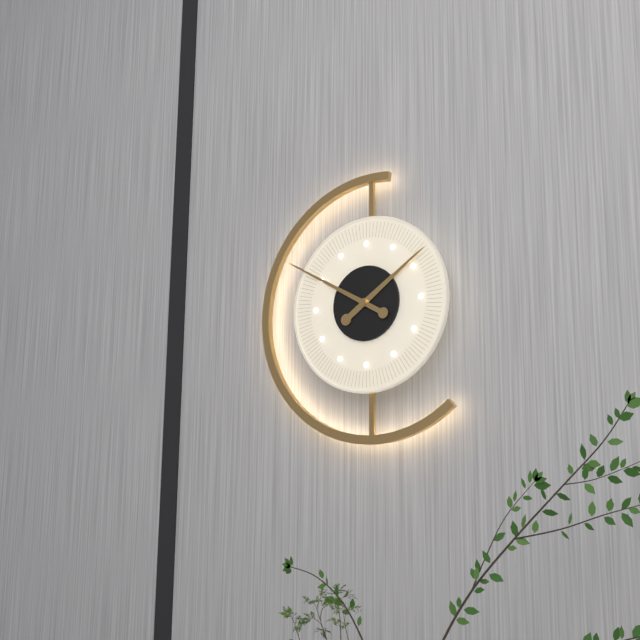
{"hour": 1, "minute": 50}
